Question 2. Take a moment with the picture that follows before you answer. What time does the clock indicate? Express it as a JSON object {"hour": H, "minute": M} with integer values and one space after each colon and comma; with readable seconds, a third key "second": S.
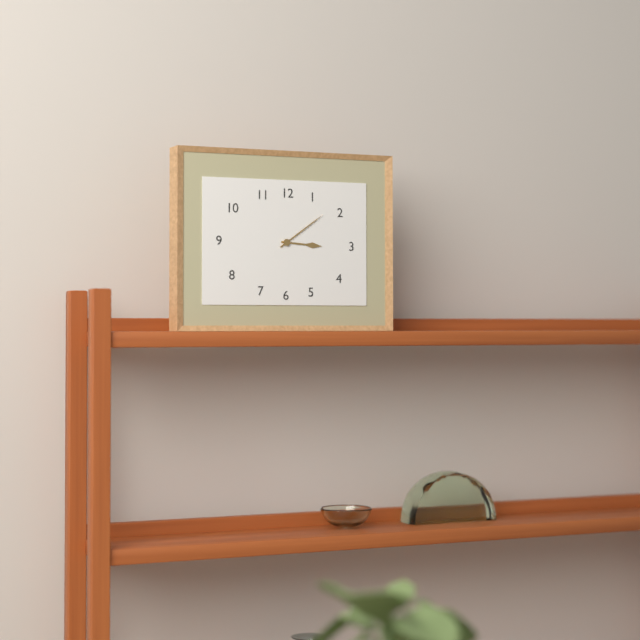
{"hour": 3, "minute": 9}
